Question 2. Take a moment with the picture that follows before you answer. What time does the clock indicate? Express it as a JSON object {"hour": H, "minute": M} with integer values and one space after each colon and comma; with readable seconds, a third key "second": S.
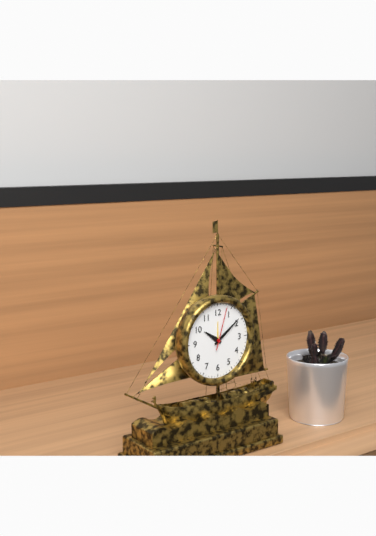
{"hour": 10, "minute": 9}
